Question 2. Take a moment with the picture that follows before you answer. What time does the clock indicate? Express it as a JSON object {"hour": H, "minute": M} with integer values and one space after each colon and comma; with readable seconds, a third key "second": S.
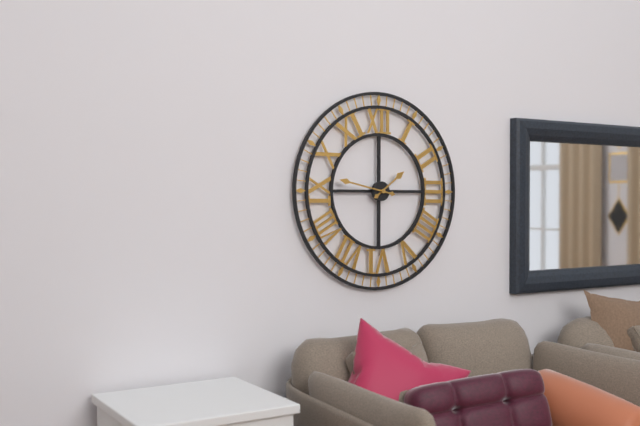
{"hour": 1, "minute": 47}
